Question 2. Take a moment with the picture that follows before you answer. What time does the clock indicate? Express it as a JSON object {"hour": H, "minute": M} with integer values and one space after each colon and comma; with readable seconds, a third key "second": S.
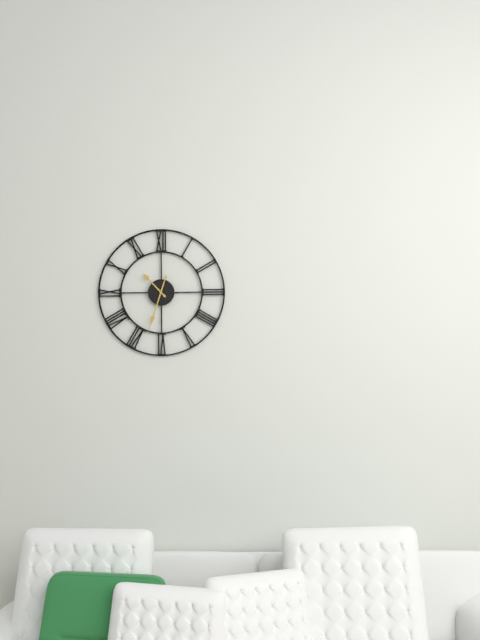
{"hour": 10, "minute": 33}
